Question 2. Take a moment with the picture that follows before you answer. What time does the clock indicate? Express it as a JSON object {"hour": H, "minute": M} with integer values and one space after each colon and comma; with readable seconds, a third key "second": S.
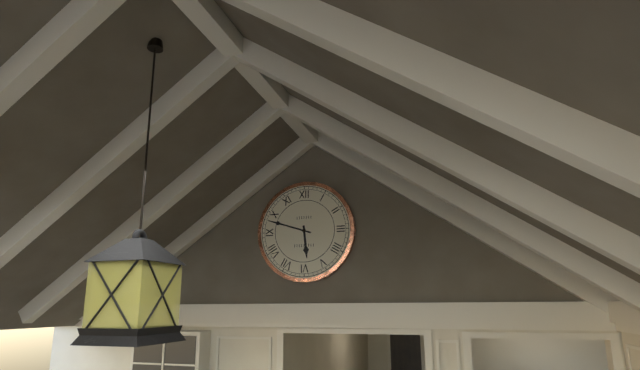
{"hour": 5, "minute": 48}
